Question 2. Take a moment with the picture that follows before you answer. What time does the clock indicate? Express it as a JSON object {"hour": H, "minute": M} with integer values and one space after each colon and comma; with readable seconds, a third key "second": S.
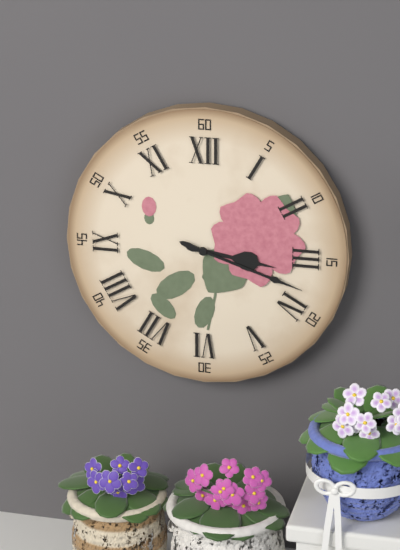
{"hour": 3, "minute": 18}
